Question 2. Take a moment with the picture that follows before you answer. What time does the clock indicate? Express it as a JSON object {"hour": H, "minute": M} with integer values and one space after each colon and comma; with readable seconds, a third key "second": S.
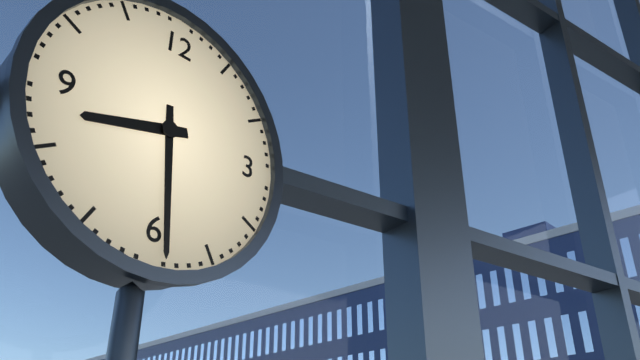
{"hour": 8, "minute": 29}
